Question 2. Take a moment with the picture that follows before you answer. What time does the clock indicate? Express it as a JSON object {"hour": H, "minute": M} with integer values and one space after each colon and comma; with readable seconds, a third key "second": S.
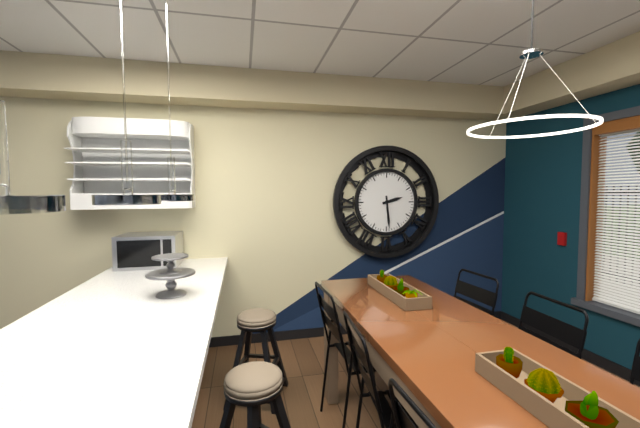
{"hour": 2, "minute": 29}
